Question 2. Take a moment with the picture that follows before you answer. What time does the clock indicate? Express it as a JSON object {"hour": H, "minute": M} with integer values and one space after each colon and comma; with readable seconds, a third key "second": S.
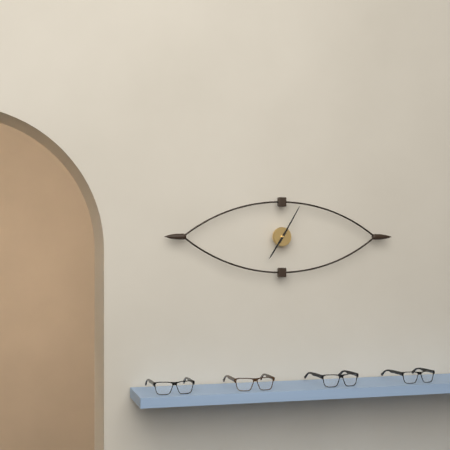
{"hour": 7, "minute": 5}
